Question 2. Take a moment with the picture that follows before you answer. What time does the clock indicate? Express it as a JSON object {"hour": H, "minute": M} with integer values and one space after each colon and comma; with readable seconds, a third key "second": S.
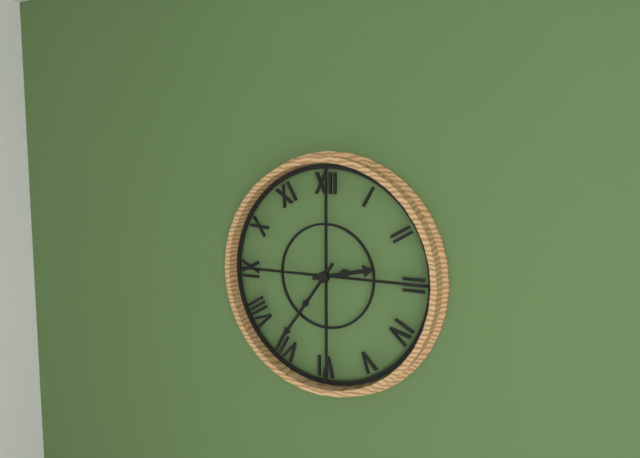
{"hour": 2, "minute": 36}
